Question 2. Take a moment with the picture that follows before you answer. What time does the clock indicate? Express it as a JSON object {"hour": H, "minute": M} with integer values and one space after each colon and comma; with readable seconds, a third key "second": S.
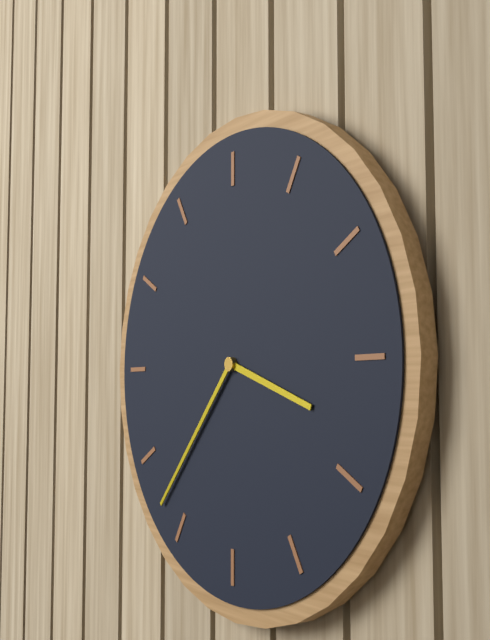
{"hour": 3, "minute": 37}
